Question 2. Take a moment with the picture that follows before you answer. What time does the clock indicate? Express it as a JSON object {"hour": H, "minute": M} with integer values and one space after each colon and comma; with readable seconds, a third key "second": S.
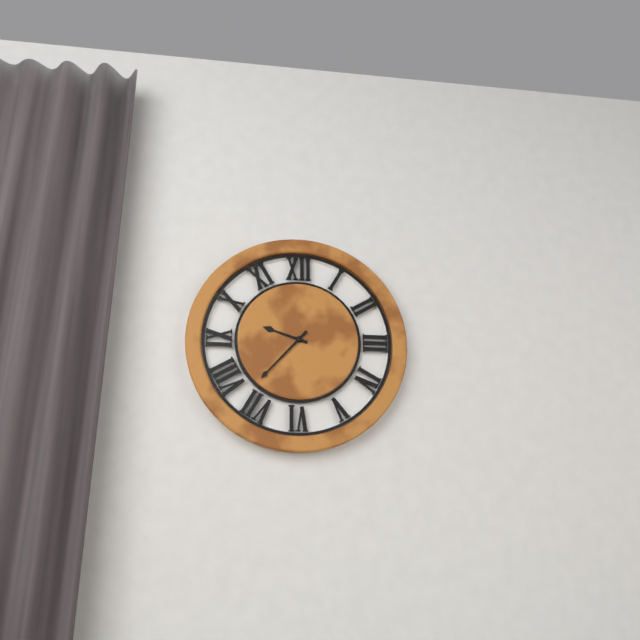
{"hour": 9, "minute": 37}
